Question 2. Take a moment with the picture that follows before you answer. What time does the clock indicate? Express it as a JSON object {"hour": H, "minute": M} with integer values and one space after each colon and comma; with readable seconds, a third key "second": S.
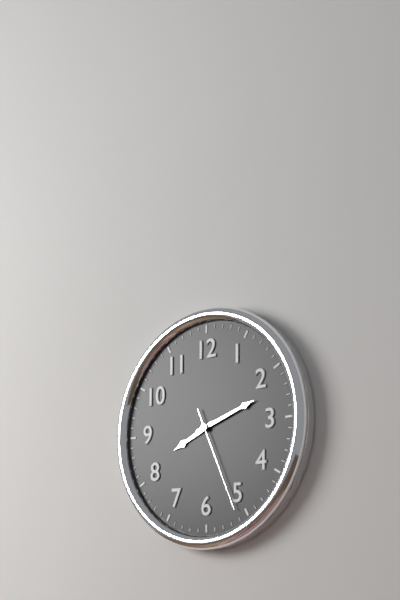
{"hour": 8, "minute": 12, "second": 26}
